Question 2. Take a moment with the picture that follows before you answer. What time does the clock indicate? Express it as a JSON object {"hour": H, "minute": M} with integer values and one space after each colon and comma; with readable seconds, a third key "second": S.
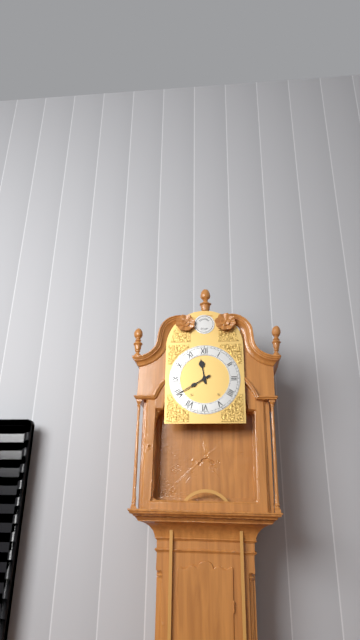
{"hour": 11, "minute": 40}
